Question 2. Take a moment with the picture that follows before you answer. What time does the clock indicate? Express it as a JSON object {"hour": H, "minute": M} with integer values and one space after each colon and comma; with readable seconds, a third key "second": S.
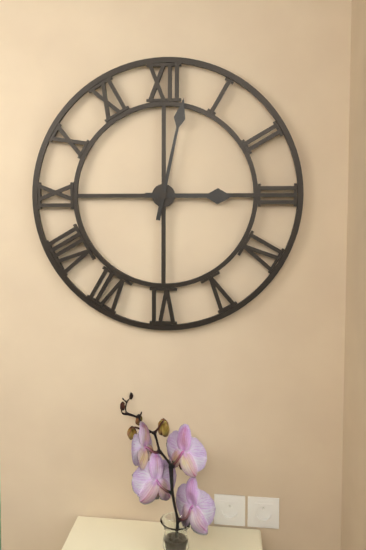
{"hour": 3, "minute": 2}
